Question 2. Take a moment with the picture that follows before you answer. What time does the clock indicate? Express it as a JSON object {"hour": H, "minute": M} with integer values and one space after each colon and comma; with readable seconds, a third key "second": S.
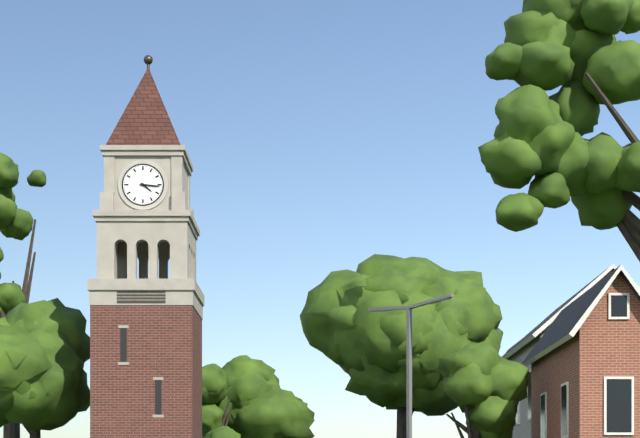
{"hour": 4, "minute": 16}
